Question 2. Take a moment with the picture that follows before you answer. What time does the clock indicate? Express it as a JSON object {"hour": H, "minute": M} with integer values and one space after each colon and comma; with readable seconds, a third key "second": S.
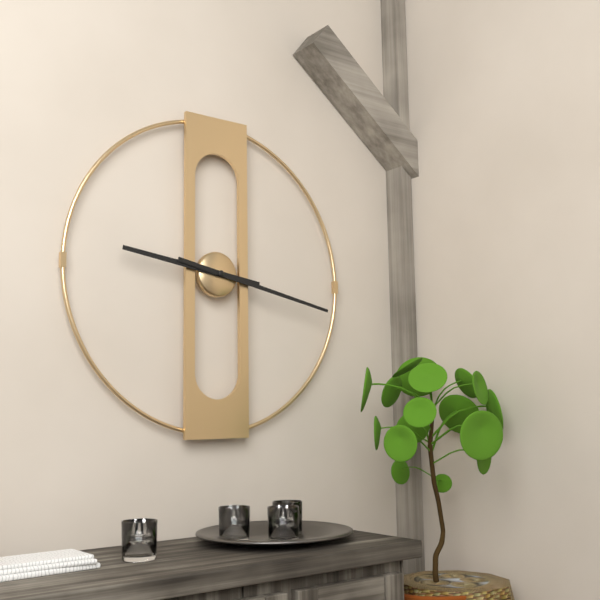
{"hour": 9, "minute": 17}
